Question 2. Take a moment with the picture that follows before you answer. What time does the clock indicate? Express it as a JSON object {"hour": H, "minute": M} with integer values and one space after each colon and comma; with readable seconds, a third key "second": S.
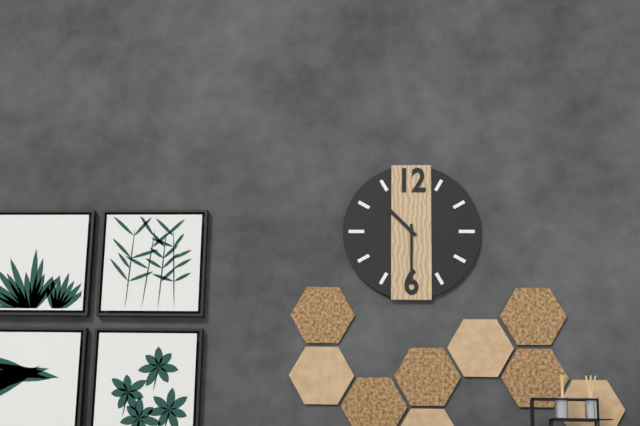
{"hour": 10, "minute": 30}
